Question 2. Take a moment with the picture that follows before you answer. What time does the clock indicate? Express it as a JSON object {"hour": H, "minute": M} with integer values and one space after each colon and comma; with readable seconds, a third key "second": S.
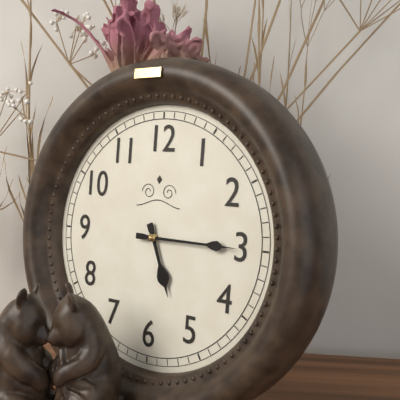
{"hour": 5, "minute": 15}
